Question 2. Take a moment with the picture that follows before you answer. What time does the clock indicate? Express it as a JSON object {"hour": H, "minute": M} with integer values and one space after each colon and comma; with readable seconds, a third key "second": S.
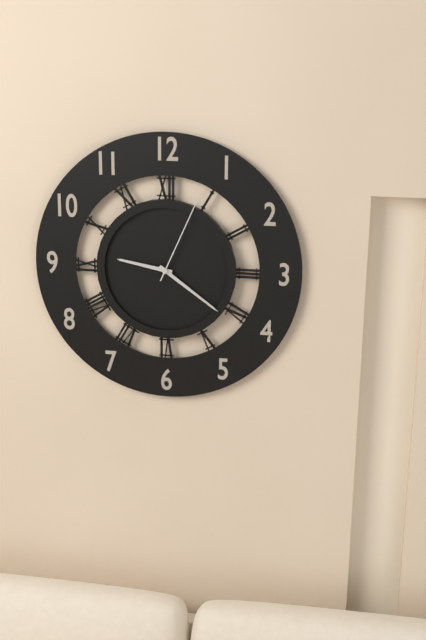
{"hour": 9, "minute": 21, "second": 4}
